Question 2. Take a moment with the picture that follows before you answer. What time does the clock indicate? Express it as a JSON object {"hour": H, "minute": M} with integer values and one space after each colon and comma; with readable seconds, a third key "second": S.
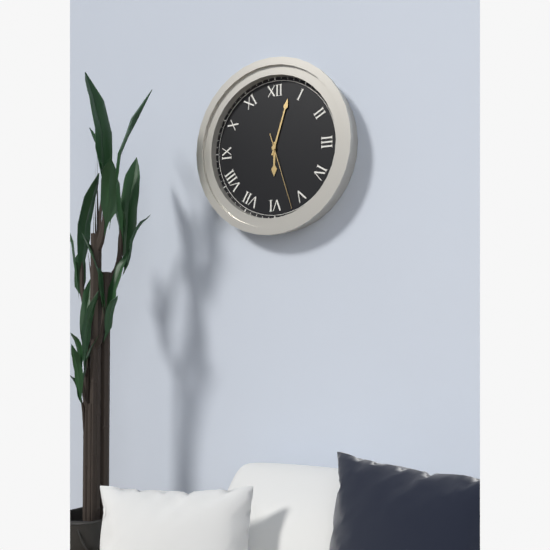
{"hour": 6, "minute": 3, "second": 27}
